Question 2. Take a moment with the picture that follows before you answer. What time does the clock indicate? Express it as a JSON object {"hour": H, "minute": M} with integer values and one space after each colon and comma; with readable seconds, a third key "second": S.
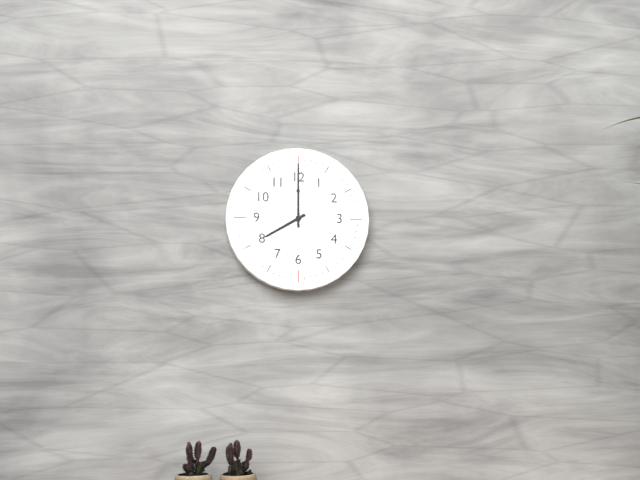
{"hour": 8, "minute": 0}
